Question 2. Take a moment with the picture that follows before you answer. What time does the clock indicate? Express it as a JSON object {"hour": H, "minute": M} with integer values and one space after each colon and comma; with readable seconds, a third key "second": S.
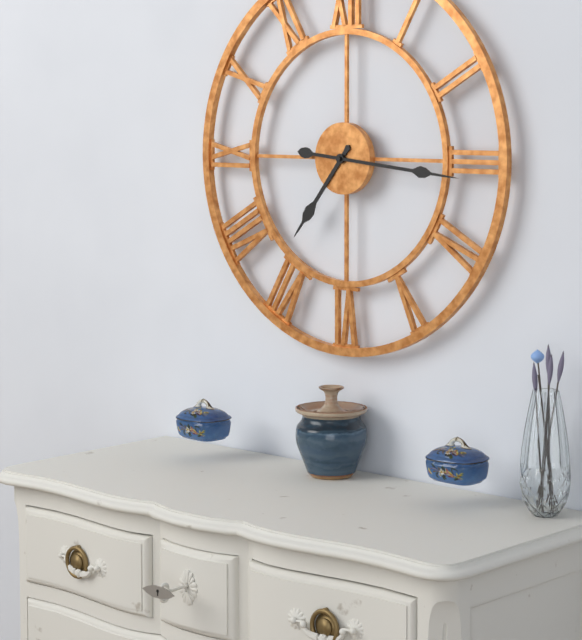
{"hour": 7, "minute": 16}
